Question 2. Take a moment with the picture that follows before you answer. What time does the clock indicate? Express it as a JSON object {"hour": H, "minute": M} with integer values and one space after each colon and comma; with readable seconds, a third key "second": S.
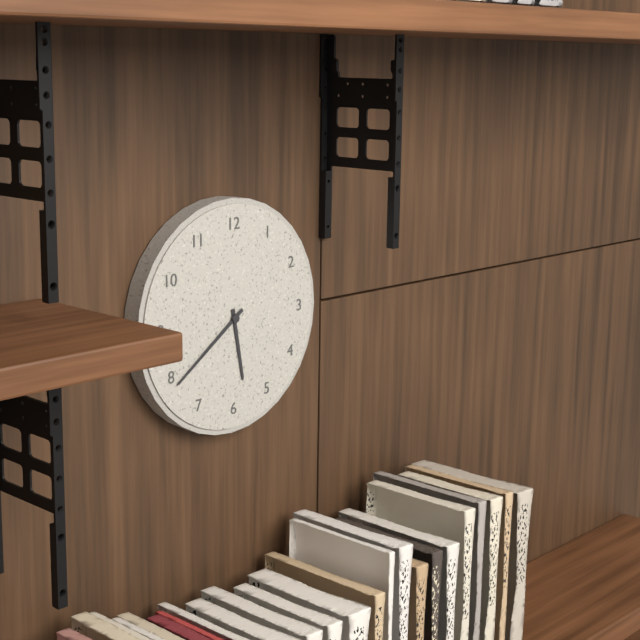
{"hour": 5, "minute": 39}
